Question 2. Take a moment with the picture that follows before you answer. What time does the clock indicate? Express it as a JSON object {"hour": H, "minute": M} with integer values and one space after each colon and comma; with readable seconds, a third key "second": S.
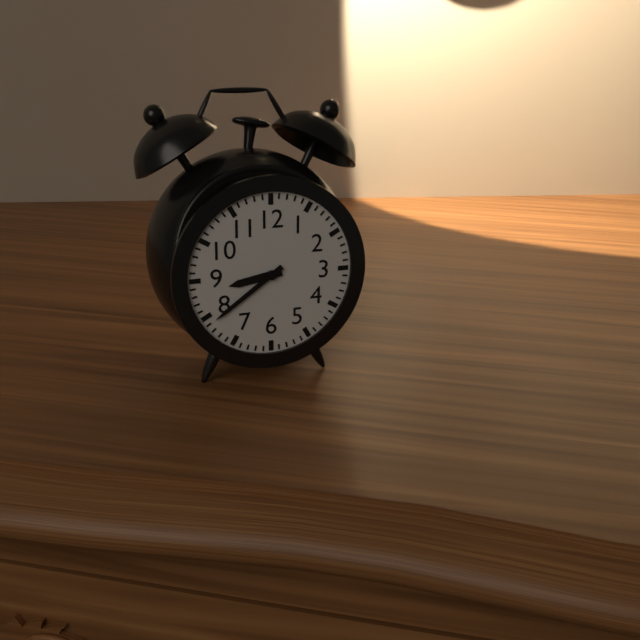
{"hour": 8, "minute": 39}
